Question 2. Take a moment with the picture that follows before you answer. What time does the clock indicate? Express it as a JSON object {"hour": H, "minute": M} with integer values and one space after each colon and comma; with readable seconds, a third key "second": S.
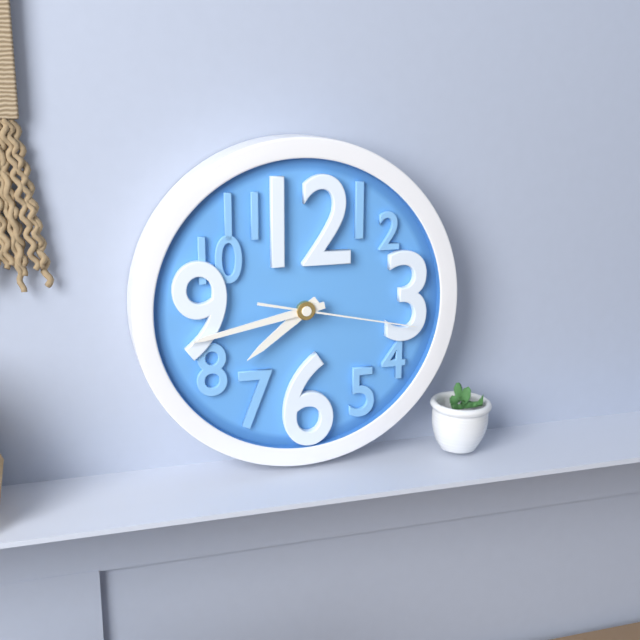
{"hour": 7, "minute": 43, "second": 17}
